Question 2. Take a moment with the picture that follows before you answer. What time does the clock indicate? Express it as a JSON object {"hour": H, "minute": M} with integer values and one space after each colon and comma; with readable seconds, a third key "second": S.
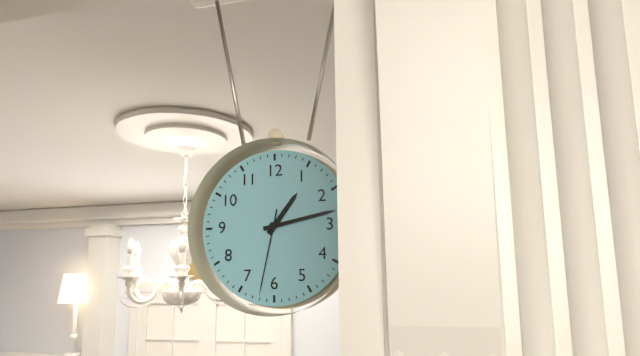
{"hour": 1, "minute": 13, "second": 32}
